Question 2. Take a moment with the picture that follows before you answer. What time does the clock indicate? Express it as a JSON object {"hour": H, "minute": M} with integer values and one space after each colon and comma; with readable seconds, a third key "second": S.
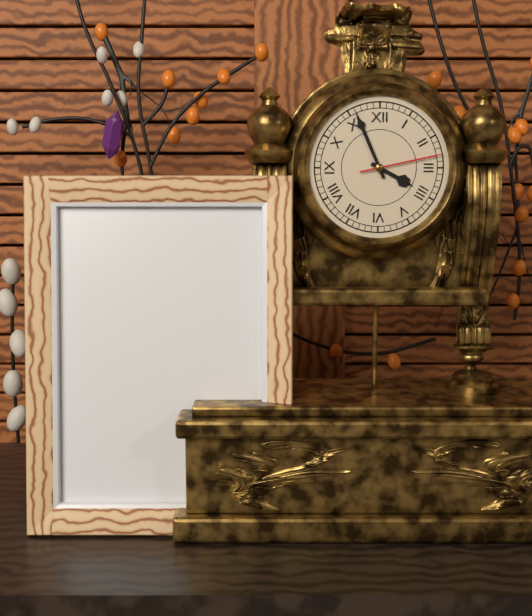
{"hour": 3, "minute": 56, "second": 13}
